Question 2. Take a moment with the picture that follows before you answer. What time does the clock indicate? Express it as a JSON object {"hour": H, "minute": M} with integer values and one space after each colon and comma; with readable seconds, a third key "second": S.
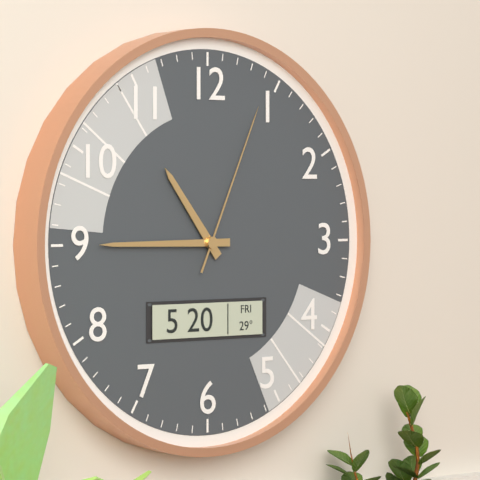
{"hour": 10, "minute": 45, "second": 4}
